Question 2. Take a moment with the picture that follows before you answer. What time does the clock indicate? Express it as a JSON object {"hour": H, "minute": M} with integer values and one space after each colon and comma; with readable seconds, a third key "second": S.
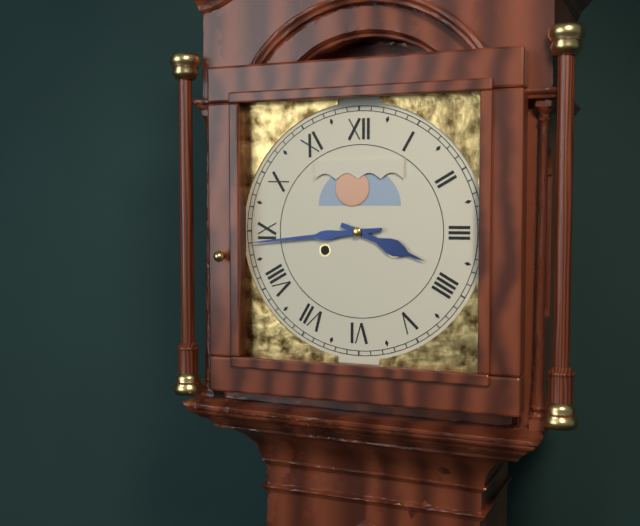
{"hour": 3, "minute": 44}
